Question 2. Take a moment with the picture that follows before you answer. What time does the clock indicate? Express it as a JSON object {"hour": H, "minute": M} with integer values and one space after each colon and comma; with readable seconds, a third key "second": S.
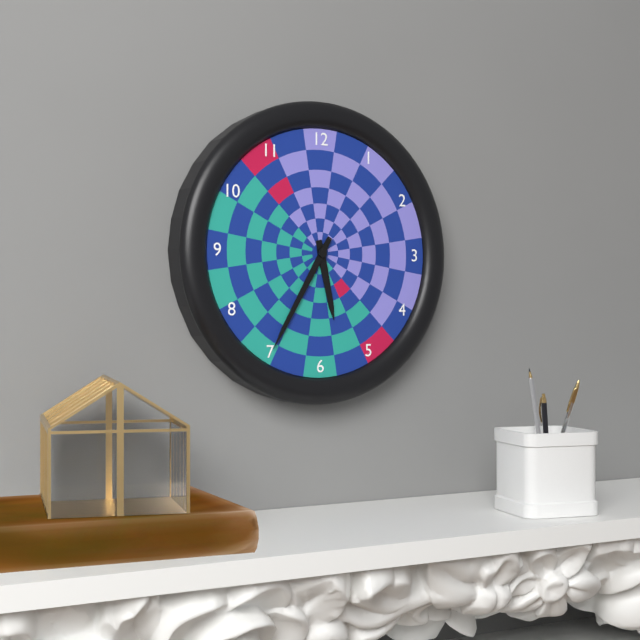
{"hour": 5, "minute": 35}
